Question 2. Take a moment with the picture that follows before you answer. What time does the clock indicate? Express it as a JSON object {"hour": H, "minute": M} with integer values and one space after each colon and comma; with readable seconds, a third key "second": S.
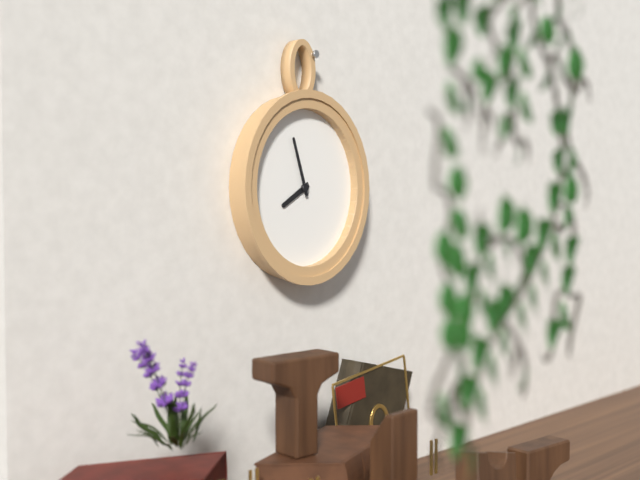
{"hour": 7, "minute": 57}
